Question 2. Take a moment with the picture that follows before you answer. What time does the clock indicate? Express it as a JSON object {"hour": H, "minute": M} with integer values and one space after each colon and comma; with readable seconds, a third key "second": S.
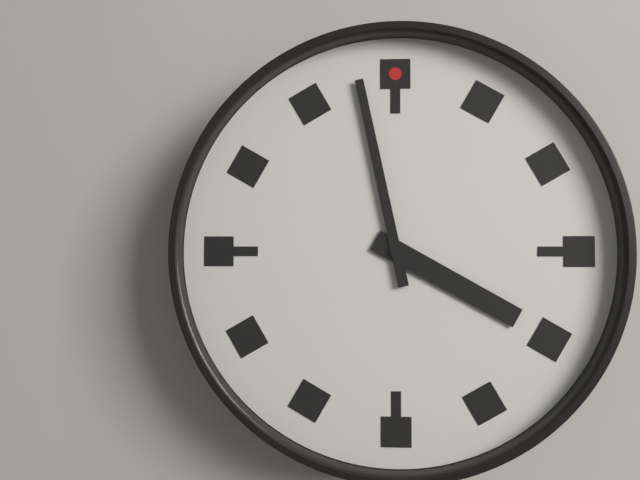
{"hour": 3, "minute": 58}
